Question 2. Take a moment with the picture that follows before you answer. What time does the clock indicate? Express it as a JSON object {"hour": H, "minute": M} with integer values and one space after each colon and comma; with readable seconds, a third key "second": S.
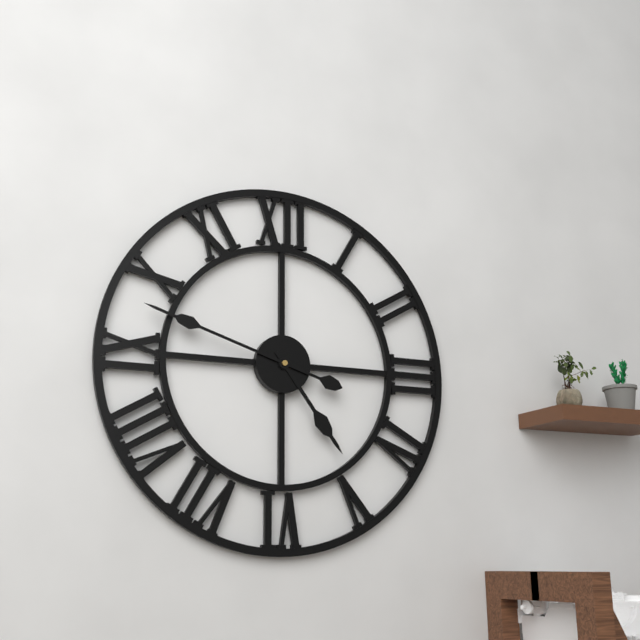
{"hour": 4, "minute": 48}
